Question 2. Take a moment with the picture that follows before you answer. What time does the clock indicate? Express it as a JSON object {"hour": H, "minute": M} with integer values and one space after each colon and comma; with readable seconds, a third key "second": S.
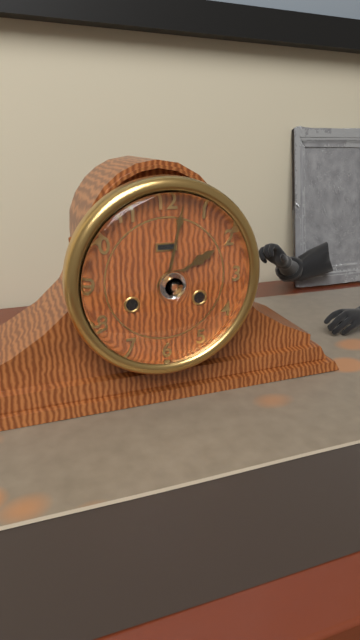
{"hour": 2, "minute": 2}
